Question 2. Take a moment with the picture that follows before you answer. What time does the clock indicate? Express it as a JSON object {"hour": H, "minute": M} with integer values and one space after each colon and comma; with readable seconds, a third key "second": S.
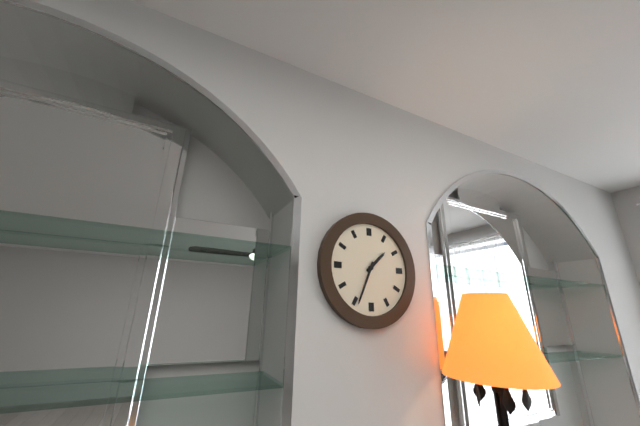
{"hour": 1, "minute": 34}
